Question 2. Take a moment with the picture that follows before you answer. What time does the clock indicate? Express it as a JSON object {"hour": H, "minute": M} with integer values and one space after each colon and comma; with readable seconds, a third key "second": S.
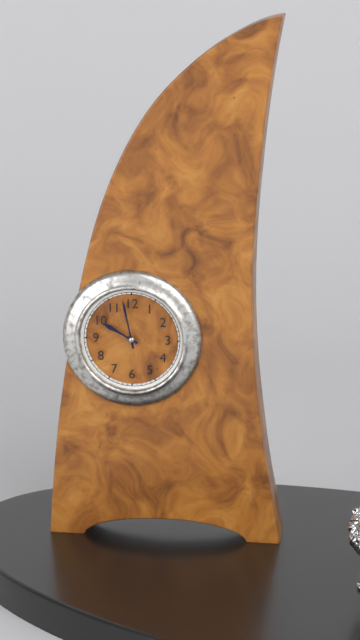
{"hour": 9, "minute": 58}
